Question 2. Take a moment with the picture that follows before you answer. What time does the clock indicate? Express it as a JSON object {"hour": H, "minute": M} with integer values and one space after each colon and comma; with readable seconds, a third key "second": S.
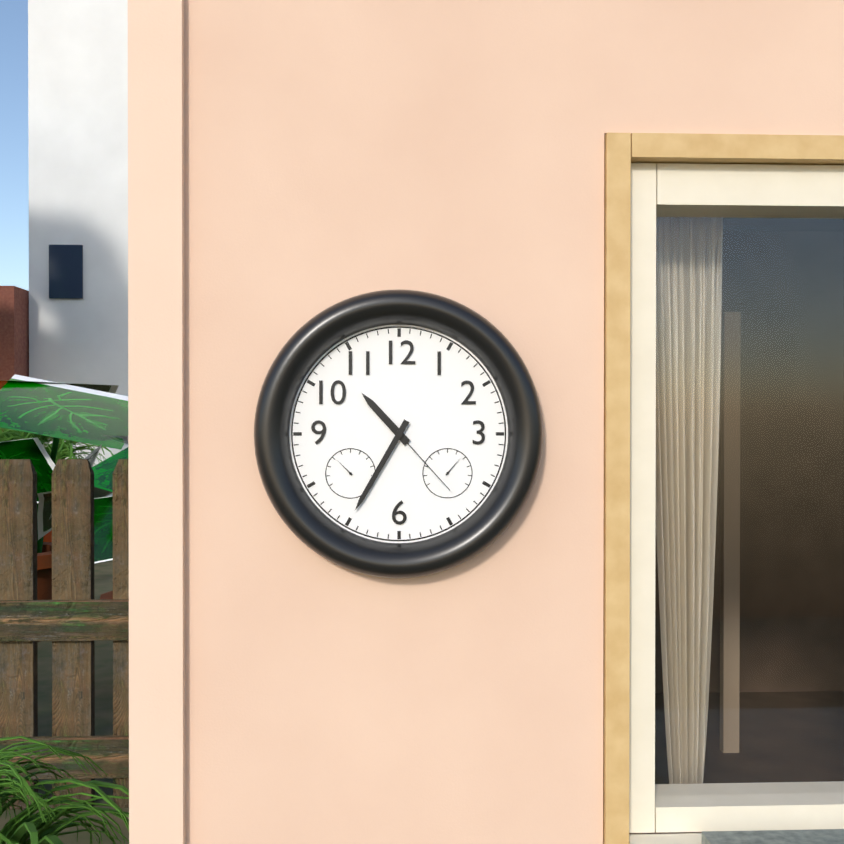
{"hour": 10, "minute": 35, "second": 23}
